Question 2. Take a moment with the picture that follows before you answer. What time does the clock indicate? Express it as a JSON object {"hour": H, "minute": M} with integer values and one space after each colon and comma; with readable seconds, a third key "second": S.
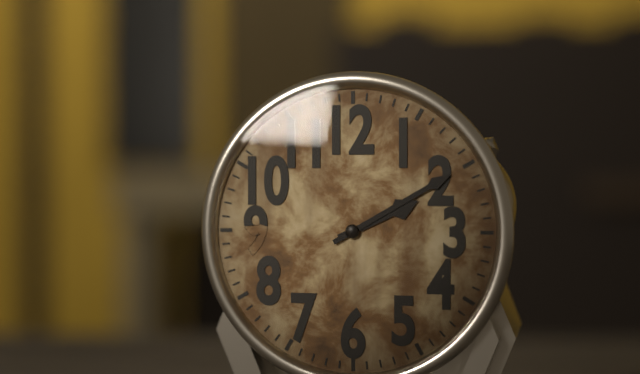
{"hour": 2, "minute": 10}
